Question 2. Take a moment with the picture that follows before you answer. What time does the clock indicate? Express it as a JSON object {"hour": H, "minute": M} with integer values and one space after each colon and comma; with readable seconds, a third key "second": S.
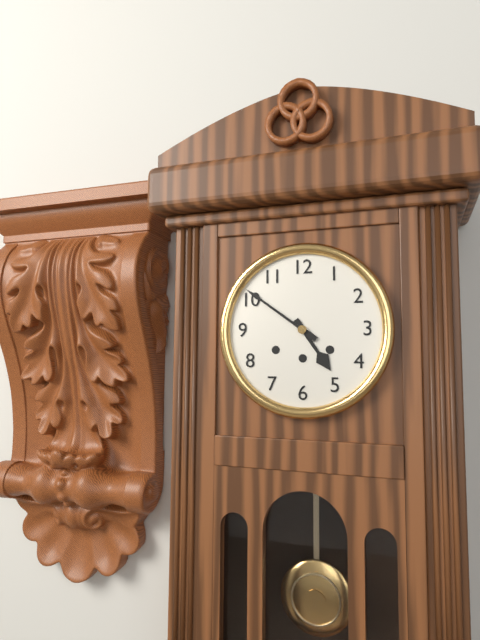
{"hour": 4, "minute": 51}
